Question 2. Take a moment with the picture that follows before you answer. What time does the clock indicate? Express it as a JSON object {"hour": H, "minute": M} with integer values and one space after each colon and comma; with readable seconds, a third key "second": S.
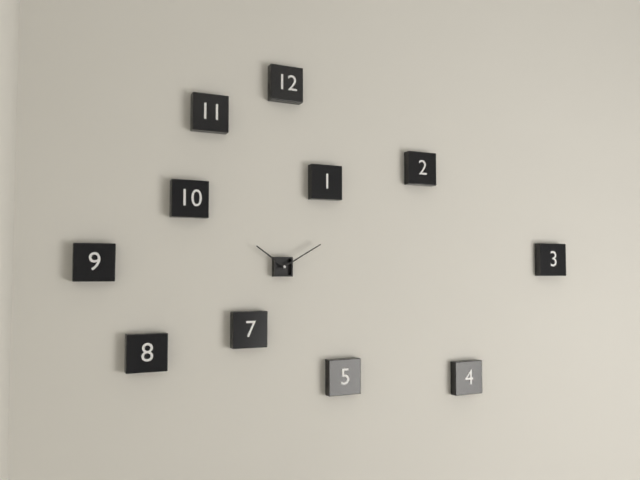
{"hour": 10, "minute": 10}
